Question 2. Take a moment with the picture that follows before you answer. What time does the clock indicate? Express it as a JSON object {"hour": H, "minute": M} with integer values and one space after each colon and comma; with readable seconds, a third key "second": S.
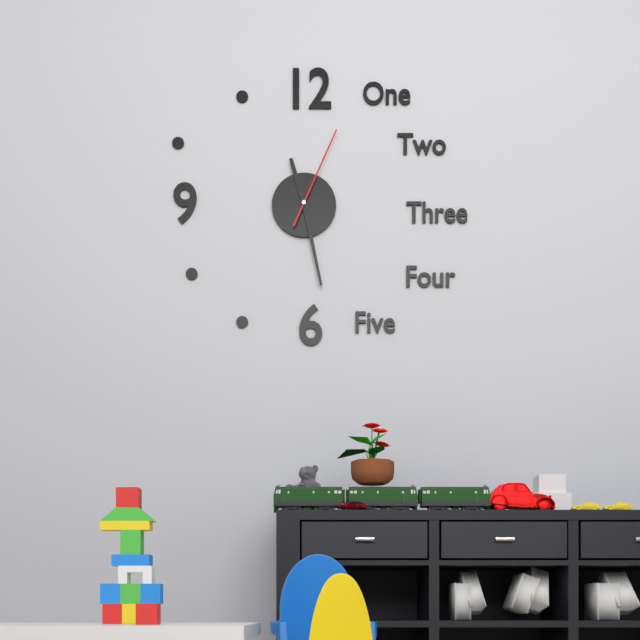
{"hour": 11, "minute": 28, "second": 4}
